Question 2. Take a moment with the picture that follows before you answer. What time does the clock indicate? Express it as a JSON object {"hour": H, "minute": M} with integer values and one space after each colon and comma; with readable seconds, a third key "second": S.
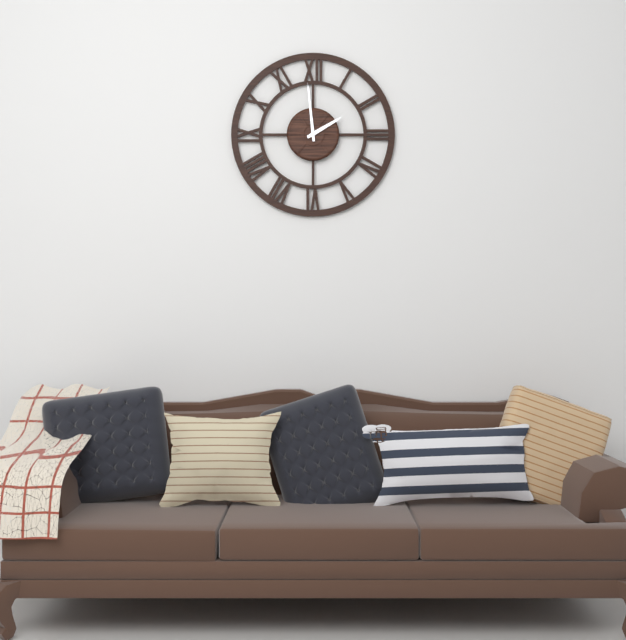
{"hour": 1, "minute": 59}
